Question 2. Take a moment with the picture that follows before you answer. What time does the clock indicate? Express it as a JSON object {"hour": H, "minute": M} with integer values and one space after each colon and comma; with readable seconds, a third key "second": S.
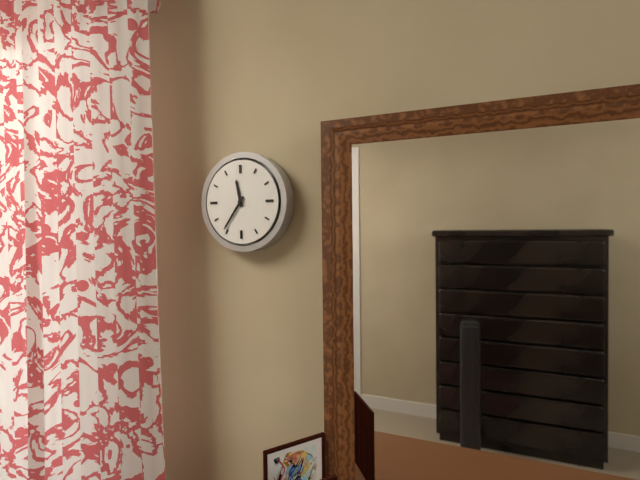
{"hour": 11, "minute": 36}
